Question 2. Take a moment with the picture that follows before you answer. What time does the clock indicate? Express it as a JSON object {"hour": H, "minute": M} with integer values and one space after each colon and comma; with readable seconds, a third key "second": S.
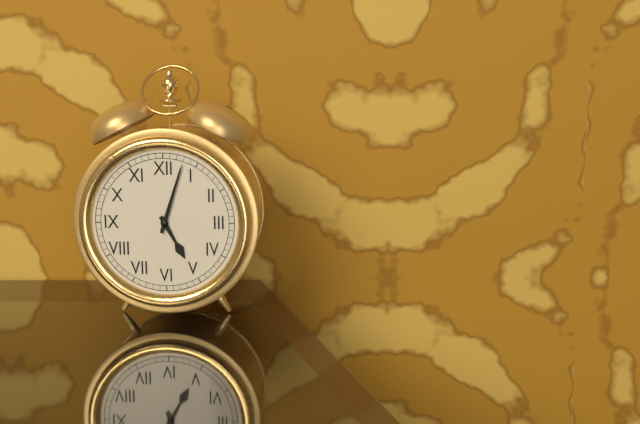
{"hour": 5, "minute": 3}
